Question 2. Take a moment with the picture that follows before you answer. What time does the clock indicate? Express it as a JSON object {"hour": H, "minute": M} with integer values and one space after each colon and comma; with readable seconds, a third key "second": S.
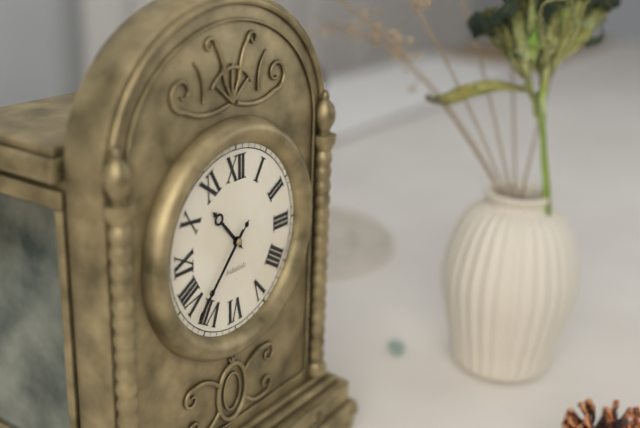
{"hour": 10, "minute": 37, "second": 37}
